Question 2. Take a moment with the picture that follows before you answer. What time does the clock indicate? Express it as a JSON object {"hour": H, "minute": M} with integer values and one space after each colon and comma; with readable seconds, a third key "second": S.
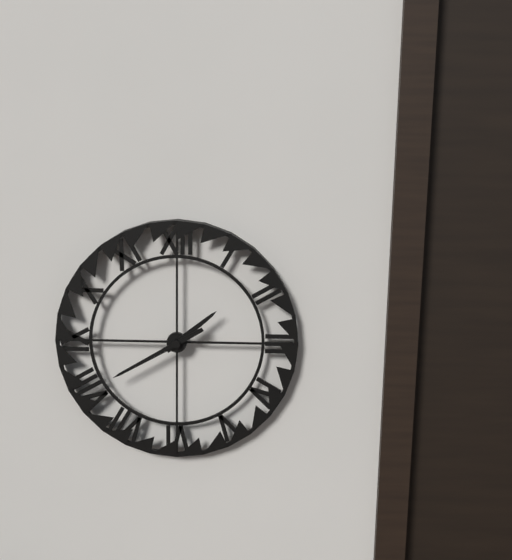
{"hour": 1, "minute": 40}
